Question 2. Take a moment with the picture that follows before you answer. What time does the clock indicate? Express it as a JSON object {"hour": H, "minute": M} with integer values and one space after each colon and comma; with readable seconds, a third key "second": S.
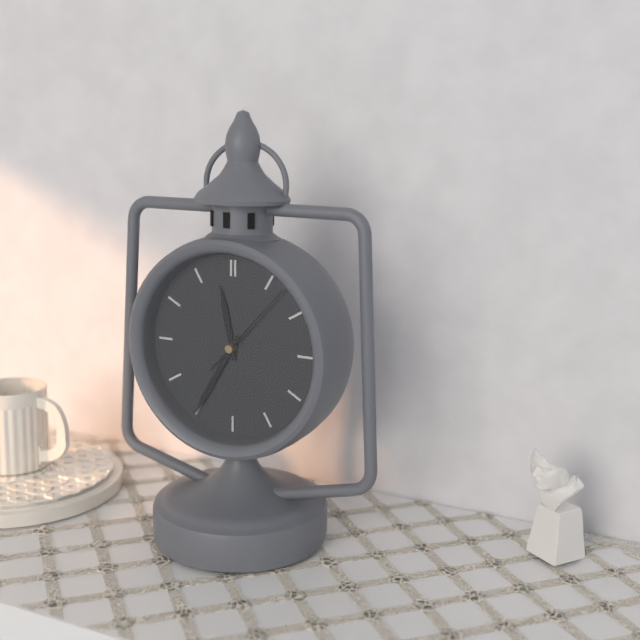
{"hour": 11, "minute": 35, "second": 7}
